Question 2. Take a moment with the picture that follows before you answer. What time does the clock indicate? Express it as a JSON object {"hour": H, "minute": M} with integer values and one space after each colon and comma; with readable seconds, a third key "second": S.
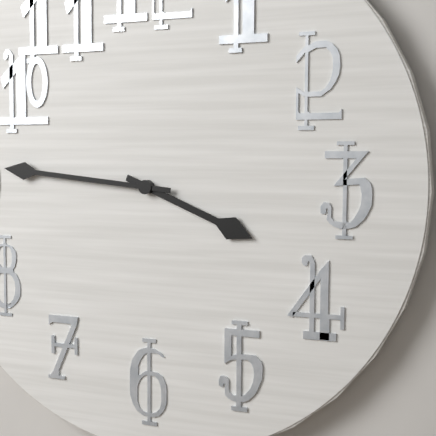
{"hour": 3, "minute": 46}
